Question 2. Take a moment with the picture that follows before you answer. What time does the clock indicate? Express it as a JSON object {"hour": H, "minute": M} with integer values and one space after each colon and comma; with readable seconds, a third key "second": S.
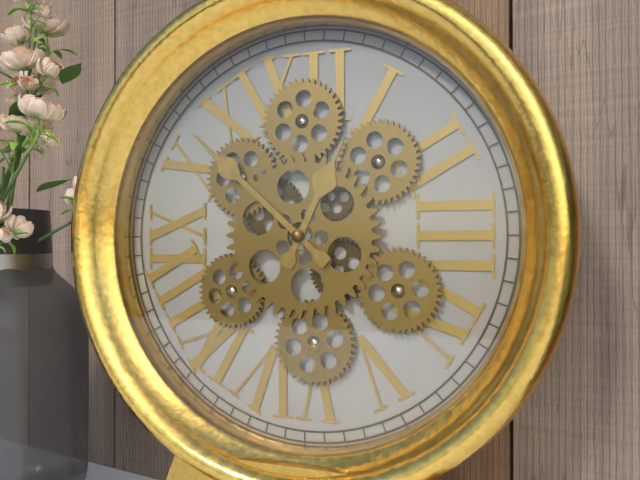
{"hour": 12, "minute": 52}
